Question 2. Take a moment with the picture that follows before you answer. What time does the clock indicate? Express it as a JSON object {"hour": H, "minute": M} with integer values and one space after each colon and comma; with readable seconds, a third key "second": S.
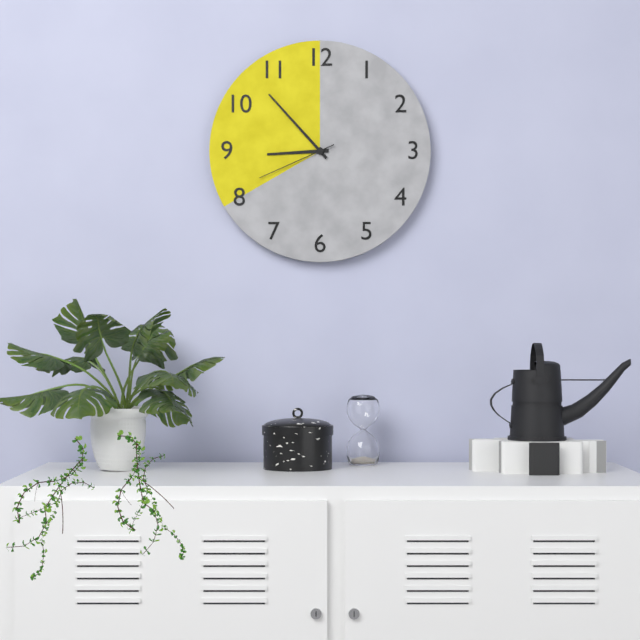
{"hour": 8, "minute": 53, "second": 41}
